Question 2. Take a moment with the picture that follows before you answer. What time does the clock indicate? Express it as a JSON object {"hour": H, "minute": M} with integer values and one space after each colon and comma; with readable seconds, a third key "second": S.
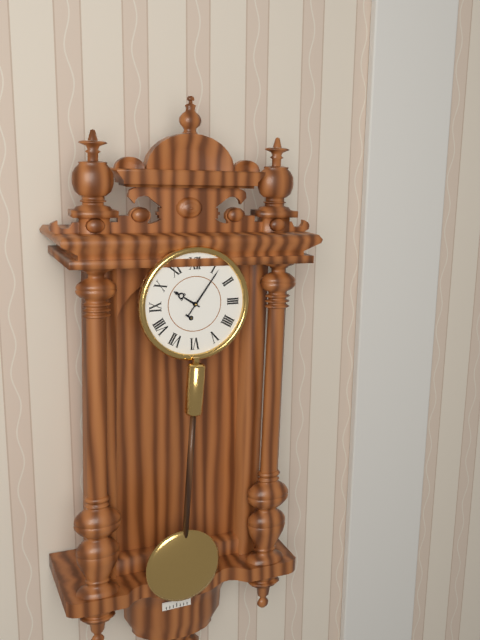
{"hour": 10, "minute": 6}
